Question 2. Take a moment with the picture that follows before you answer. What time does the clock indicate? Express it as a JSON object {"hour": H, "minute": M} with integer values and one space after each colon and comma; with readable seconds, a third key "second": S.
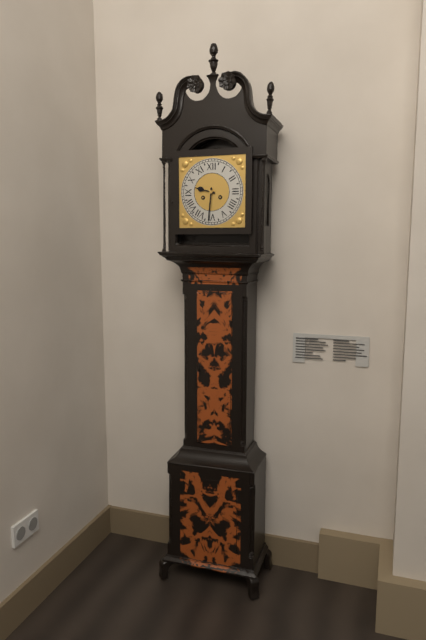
{"hour": 9, "minute": 31}
